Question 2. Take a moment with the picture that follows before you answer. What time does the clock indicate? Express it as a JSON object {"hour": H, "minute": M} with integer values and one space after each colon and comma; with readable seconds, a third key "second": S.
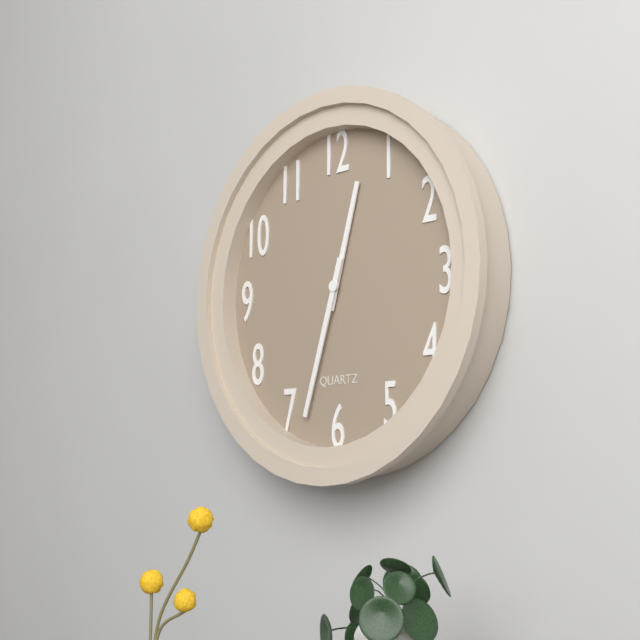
{"hour": 12, "minute": 33}
